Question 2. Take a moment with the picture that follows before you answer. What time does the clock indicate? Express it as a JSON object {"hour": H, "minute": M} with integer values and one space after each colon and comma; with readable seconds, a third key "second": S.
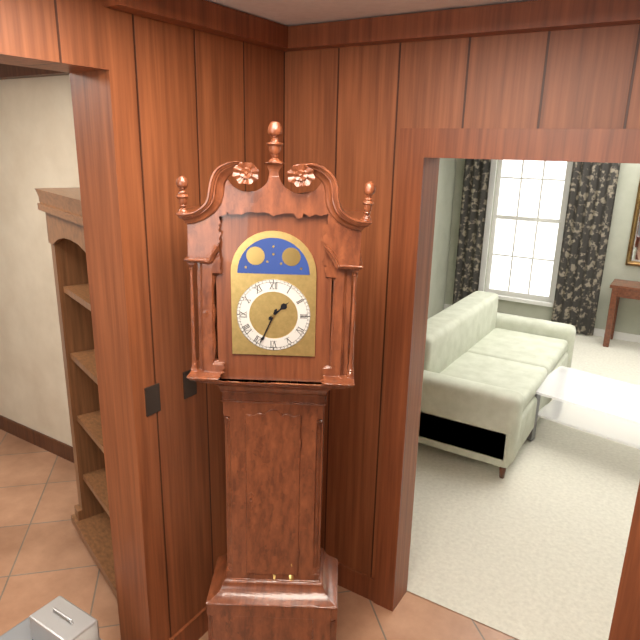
{"hour": 1, "minute": 34}
